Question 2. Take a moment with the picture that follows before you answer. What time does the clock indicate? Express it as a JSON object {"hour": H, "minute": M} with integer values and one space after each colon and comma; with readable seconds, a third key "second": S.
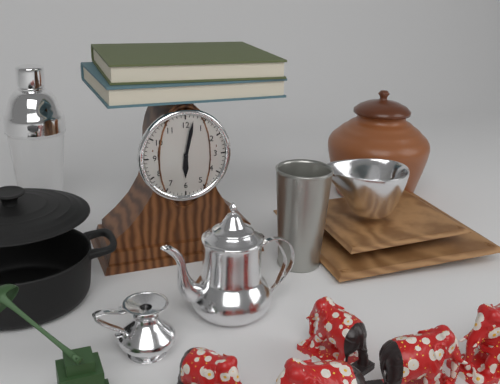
{"hour": 6, "minute": 2}
